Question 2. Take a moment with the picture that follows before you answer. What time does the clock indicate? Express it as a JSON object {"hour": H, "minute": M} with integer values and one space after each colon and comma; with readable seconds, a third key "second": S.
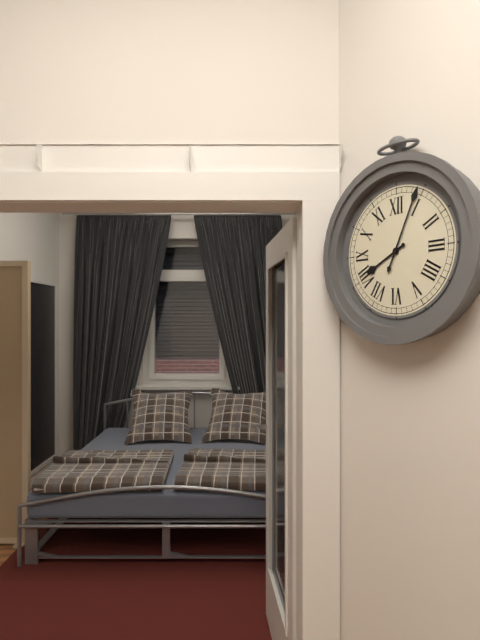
{"hour": 8, "minute": 4}
